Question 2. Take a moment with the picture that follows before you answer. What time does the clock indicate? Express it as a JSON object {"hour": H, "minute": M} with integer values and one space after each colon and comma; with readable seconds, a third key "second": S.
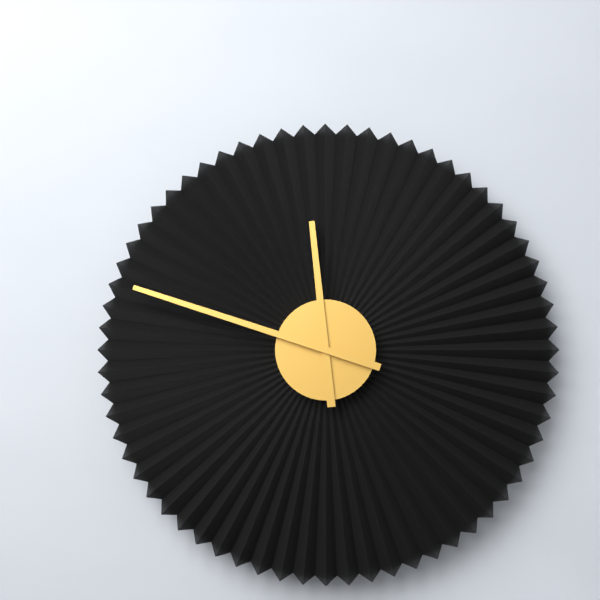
{"hour": 11, "minute": 48}
